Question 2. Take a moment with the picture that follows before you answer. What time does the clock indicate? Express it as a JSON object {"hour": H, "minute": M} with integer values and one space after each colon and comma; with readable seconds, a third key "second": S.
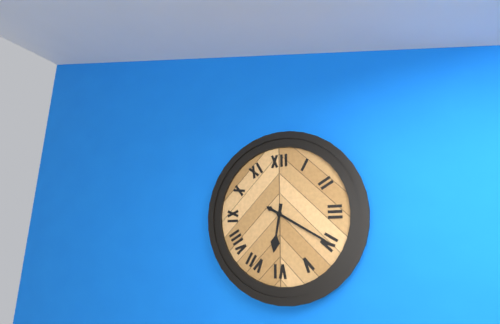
{"hour": 6, "minute": 20}
